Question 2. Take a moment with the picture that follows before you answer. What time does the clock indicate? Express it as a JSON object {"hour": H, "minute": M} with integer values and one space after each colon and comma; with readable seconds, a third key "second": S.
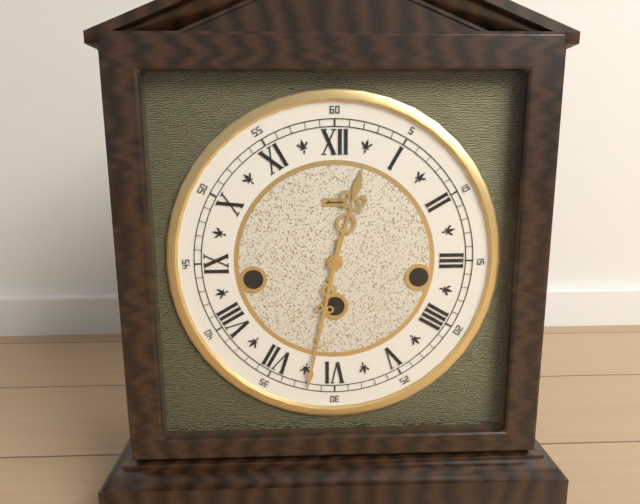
{"hour": 12, "minute": 32}
